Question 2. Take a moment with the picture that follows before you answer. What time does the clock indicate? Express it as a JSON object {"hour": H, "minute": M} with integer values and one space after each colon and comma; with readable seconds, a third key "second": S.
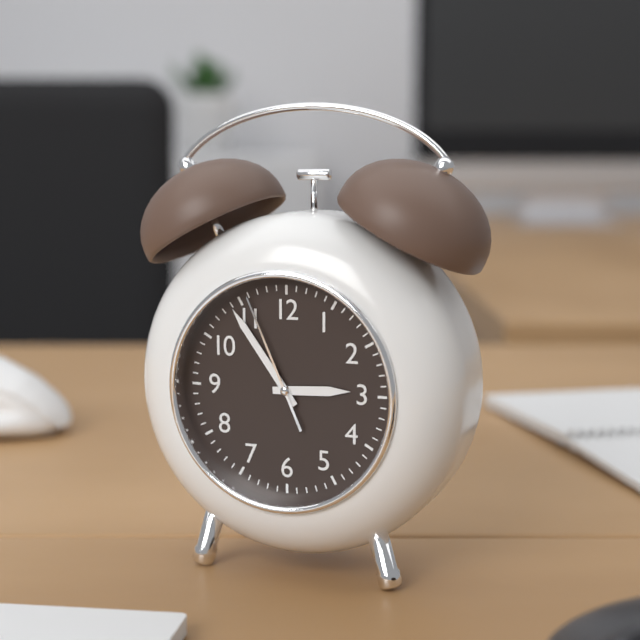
{"hour": 2, "minute": 54, "second": 56}
